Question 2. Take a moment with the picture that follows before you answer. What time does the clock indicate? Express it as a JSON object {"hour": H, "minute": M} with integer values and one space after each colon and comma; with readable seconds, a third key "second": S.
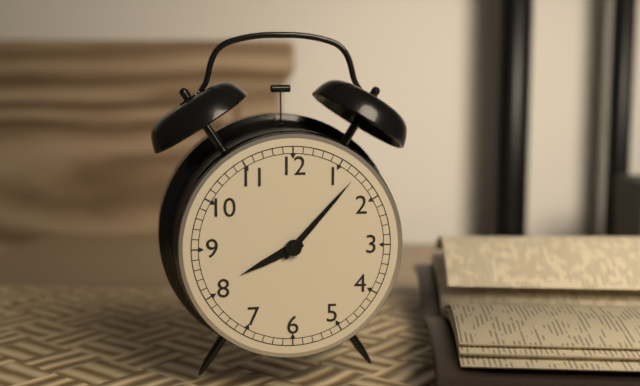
{"hour": 8, "minute": 7}
